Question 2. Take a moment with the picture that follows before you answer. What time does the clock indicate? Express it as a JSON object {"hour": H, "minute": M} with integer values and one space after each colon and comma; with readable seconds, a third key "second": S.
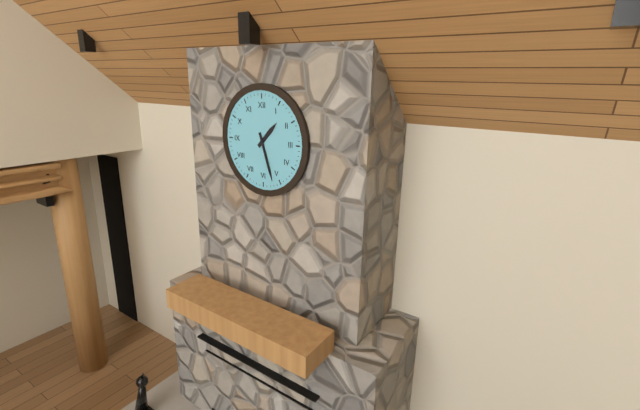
{"hour": 1, "minute": 27}
